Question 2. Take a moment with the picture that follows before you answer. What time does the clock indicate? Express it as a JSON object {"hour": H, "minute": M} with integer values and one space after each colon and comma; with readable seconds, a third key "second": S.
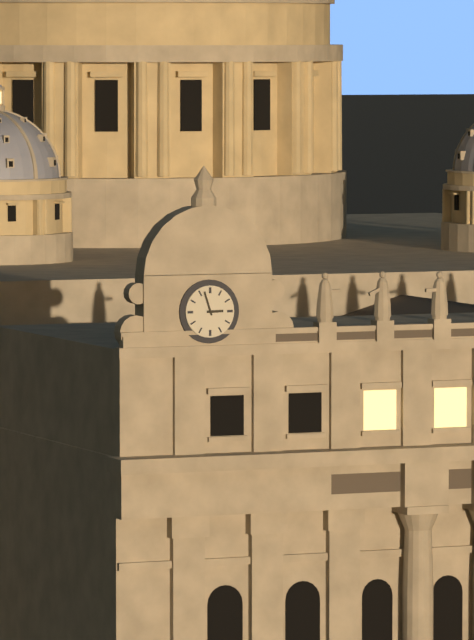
{"hour": 2, "minute": 57}
